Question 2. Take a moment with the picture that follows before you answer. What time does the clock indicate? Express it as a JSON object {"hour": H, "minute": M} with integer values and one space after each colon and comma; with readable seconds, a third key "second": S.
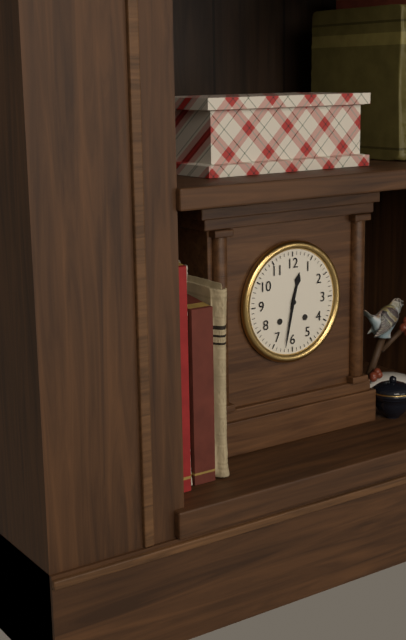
{"hour": 12, "minute": 32}
